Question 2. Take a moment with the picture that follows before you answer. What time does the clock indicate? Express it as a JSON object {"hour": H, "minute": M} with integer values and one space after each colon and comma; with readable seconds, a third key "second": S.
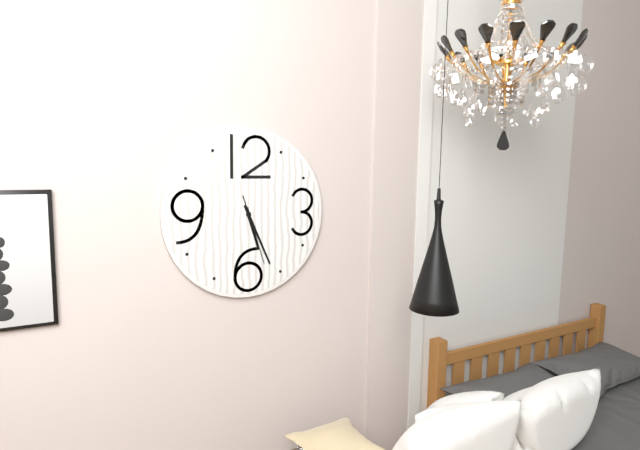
{"hour": 5, "minute": 26, "second": 27}
